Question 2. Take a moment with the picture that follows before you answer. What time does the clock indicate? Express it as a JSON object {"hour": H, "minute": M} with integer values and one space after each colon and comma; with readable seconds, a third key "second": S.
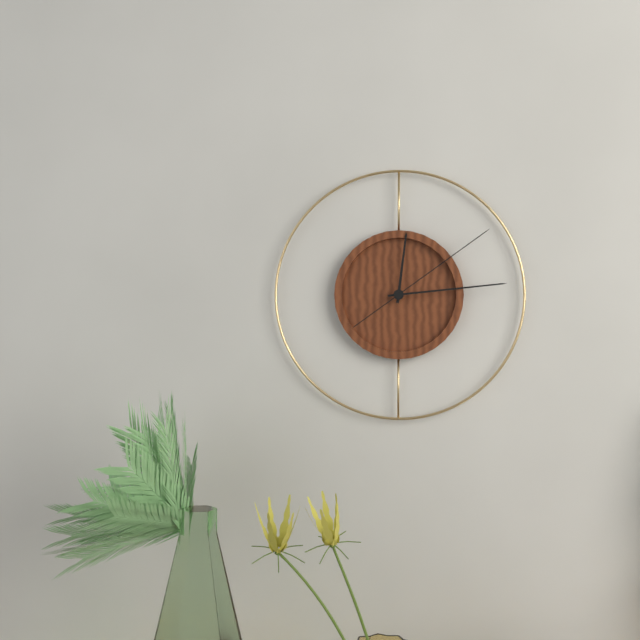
{"hour": 12, "minute": 14, "second": 9}
